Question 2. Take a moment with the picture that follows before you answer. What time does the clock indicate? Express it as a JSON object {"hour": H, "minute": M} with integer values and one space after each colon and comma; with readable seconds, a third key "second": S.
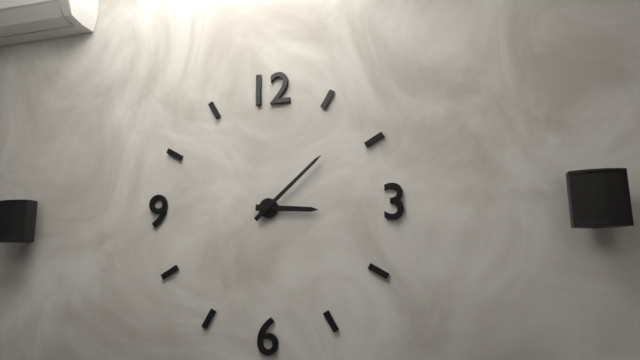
{"hour": 3, "minute": 8}
